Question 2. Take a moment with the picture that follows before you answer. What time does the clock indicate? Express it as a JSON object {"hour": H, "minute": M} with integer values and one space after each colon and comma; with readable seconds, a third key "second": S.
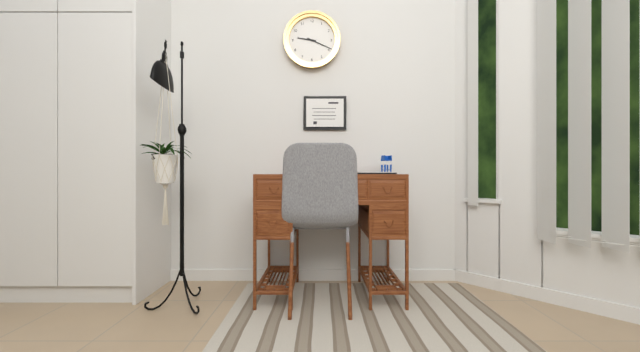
{"hour": 9, "minute": 19}
